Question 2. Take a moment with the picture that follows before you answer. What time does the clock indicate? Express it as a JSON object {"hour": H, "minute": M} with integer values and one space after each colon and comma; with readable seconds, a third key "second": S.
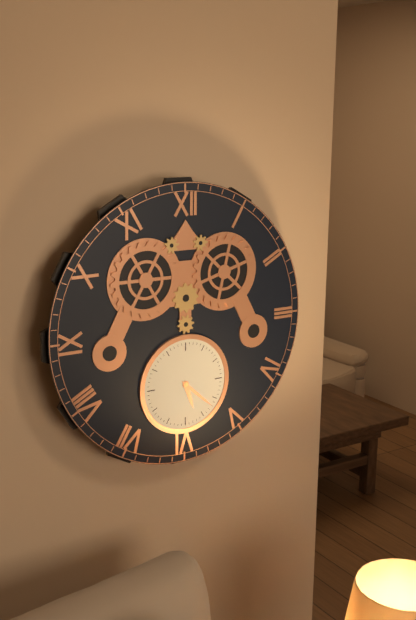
{"hour": 5, "minute": 22}
